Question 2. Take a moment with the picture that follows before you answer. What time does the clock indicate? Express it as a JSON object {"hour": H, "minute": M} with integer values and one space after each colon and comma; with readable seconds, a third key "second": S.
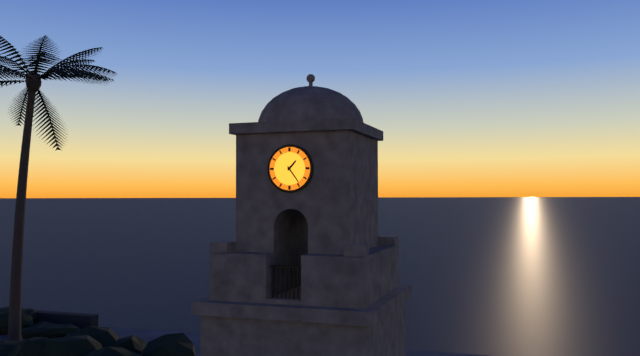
{"hour": 1, "minute": 24}
